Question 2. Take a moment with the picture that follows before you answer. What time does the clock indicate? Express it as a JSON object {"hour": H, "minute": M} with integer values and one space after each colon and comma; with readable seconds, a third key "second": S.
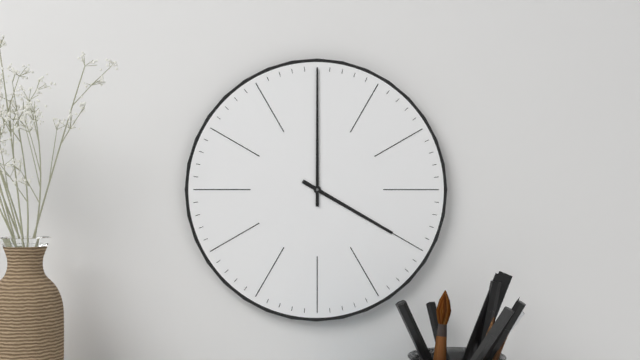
{"hour": 4, "minute": 0}
